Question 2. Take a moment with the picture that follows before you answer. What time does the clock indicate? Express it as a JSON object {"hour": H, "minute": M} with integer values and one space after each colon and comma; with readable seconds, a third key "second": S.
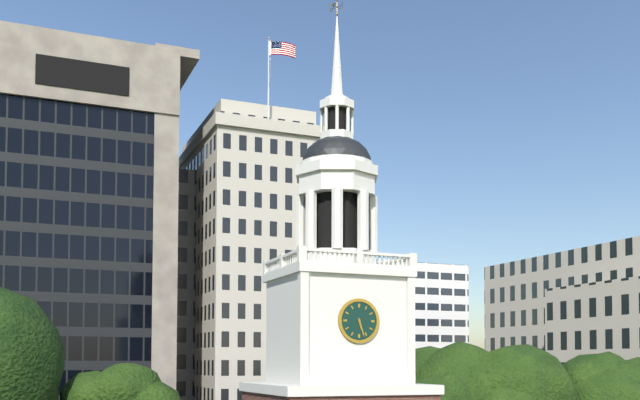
{"hour": 5, "minute": 27}
